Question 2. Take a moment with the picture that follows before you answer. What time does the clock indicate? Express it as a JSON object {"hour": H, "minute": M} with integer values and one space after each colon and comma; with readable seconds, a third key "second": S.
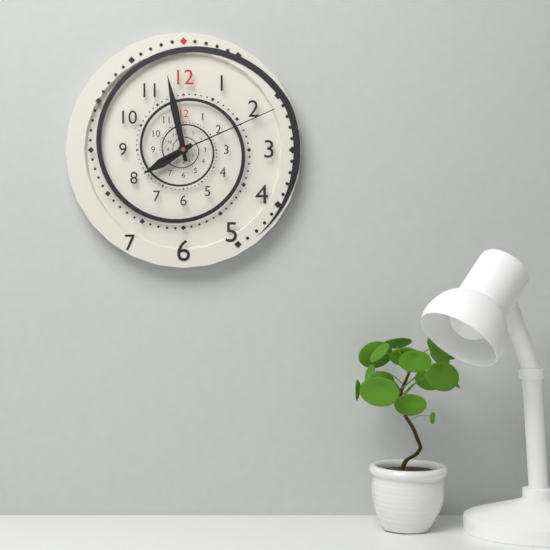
{"hour": 7, "minute": 58, "second": 11}
